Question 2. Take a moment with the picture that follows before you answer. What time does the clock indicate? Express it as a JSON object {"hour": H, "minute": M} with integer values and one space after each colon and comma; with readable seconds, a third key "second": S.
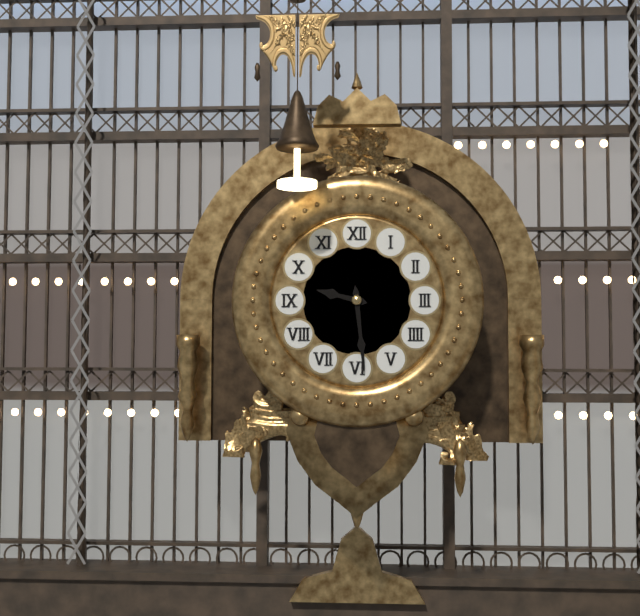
{"hour": 9, "minute": 29}
